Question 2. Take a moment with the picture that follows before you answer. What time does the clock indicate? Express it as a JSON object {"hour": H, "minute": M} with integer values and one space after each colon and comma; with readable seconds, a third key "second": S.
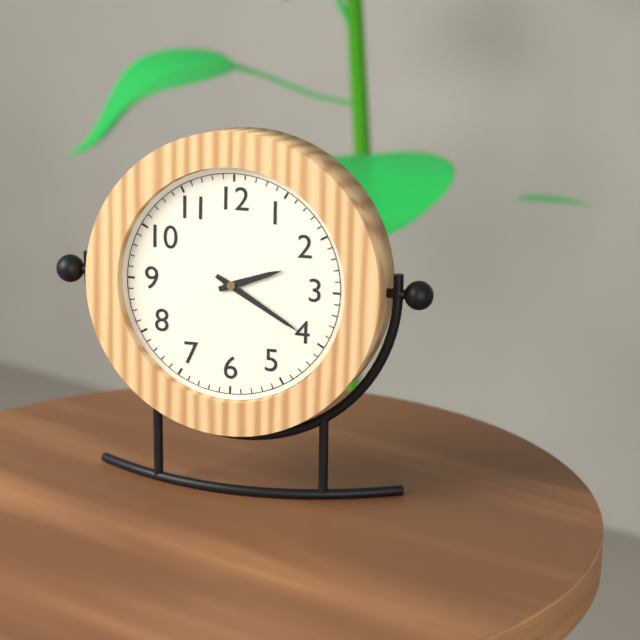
{"hour": 2, "minute": 20}
